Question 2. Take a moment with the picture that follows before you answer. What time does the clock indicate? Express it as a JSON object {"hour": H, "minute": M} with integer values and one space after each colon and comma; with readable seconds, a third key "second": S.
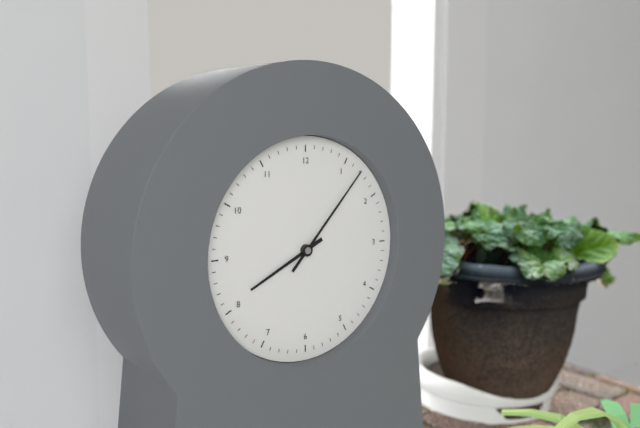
{"hour": 8, "minute": 7}
